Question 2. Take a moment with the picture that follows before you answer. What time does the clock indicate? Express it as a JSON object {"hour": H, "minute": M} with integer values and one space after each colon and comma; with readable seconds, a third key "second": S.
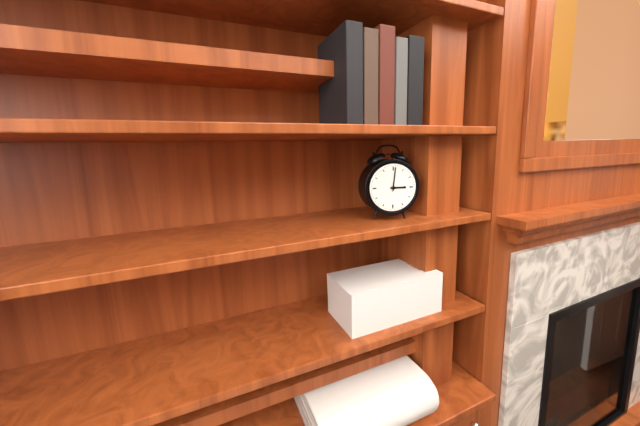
{"hour": 3, "minute": 1}
